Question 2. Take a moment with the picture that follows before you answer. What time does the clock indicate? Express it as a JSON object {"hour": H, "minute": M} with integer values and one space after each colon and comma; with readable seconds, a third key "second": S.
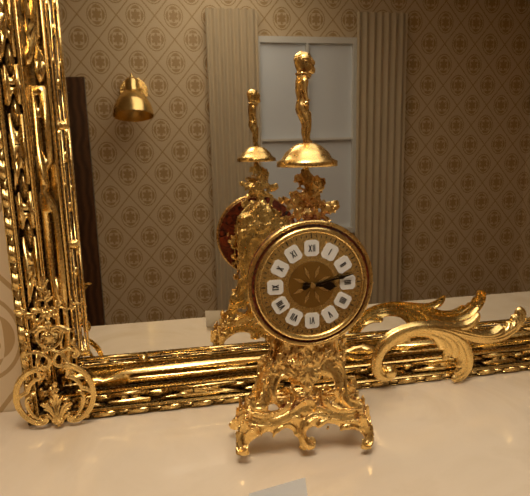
{"hour": 3, "minute": 13}
